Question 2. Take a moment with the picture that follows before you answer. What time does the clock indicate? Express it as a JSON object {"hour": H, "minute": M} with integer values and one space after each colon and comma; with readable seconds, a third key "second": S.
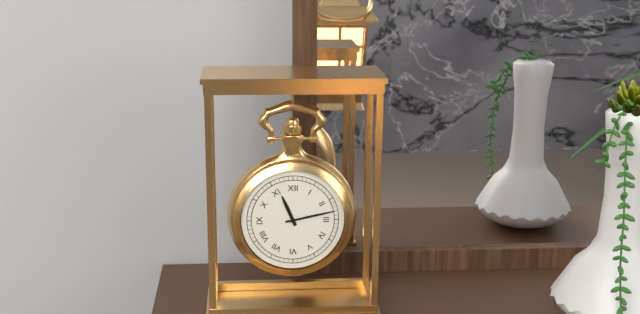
{"hour": 11, "minute": 13}
